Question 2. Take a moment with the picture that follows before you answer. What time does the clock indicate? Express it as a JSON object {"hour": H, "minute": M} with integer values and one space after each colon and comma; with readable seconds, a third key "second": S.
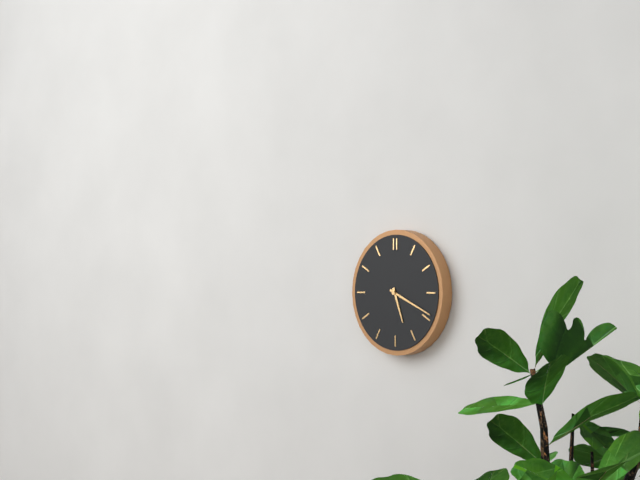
{"hour": 5, "minute": 19}
